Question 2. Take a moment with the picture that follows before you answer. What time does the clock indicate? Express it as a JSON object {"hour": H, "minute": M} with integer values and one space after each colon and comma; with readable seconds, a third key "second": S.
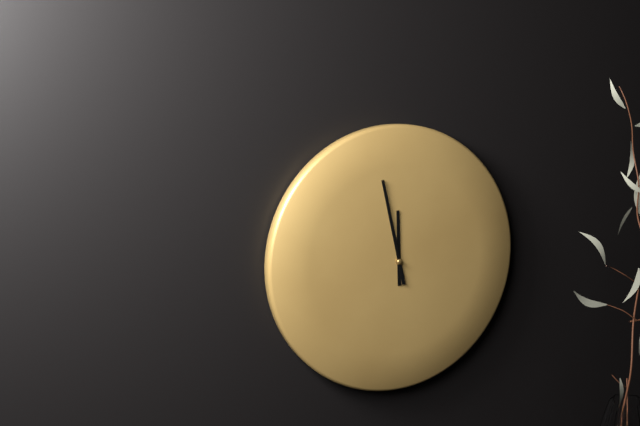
{"hour": 11, "minute": 58}
